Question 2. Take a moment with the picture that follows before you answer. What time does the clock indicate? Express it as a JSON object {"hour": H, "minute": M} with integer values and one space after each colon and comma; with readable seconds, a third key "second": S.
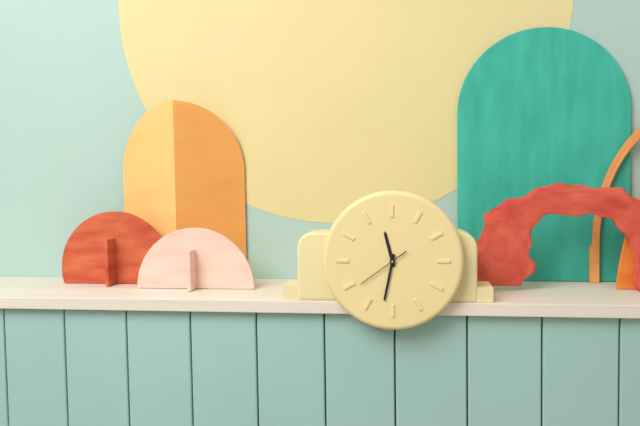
{"hour": 11, "minute": 32}
